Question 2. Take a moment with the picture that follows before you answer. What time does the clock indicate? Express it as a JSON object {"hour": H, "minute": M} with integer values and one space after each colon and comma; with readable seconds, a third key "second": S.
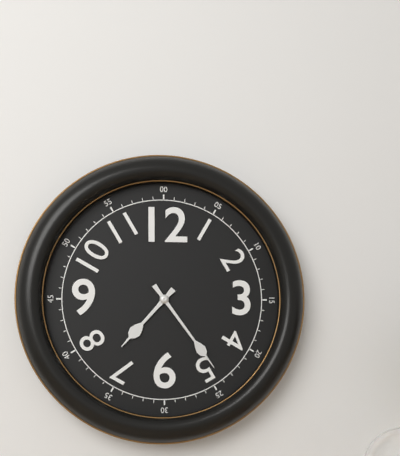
{"hour": 7, "minute": 24}
